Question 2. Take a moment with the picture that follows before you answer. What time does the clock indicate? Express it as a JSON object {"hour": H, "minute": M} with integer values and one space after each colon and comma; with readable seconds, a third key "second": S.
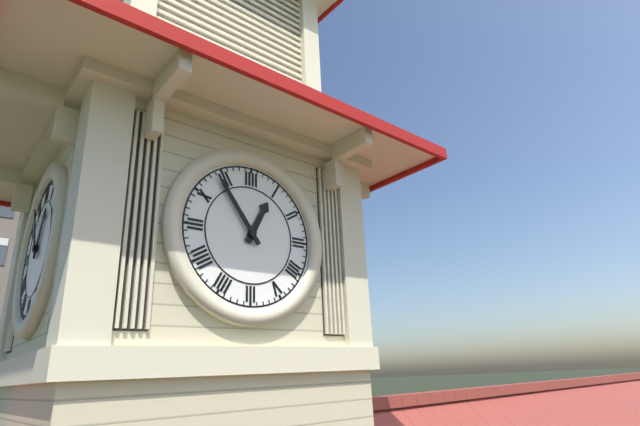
{"hour": 12, "minute": 54}
